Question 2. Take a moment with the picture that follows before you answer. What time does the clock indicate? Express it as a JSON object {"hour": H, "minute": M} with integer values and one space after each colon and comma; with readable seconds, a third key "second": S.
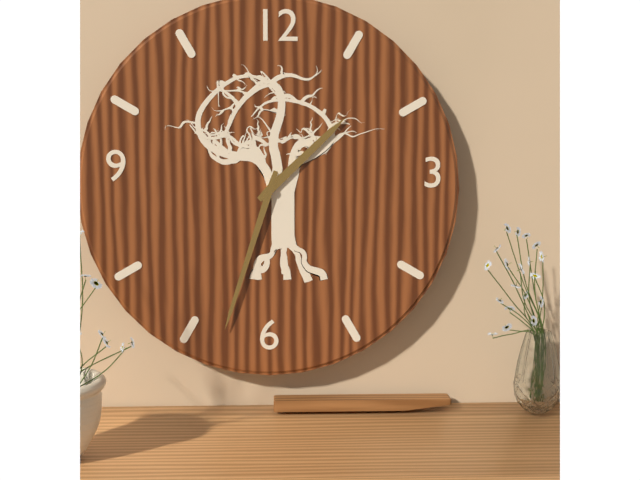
{"hour": 1, "minute": 33}
